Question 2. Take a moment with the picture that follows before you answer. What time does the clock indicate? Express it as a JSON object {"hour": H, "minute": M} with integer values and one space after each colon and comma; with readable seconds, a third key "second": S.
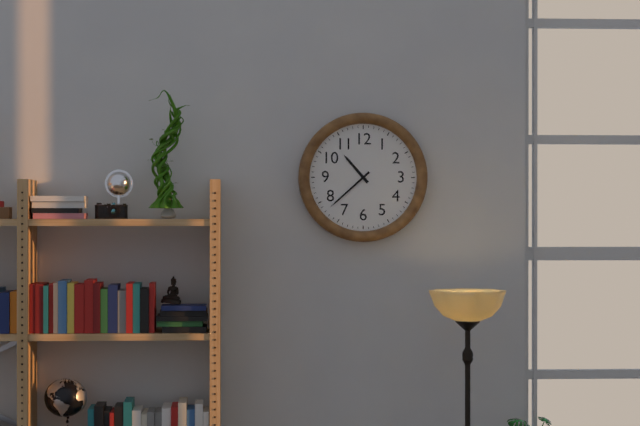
{"hour": 10, "minute": 38}
